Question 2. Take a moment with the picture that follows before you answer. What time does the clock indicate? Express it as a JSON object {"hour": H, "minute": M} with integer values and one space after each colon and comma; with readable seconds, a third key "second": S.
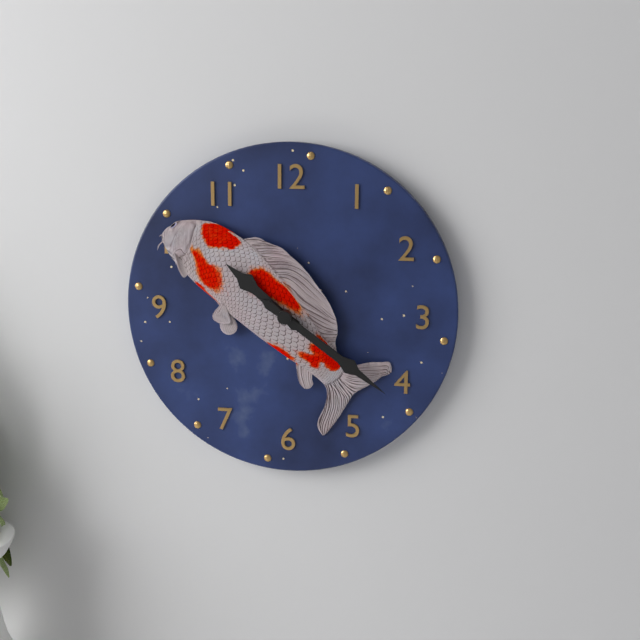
{"hour": 10, "minute": 21}
